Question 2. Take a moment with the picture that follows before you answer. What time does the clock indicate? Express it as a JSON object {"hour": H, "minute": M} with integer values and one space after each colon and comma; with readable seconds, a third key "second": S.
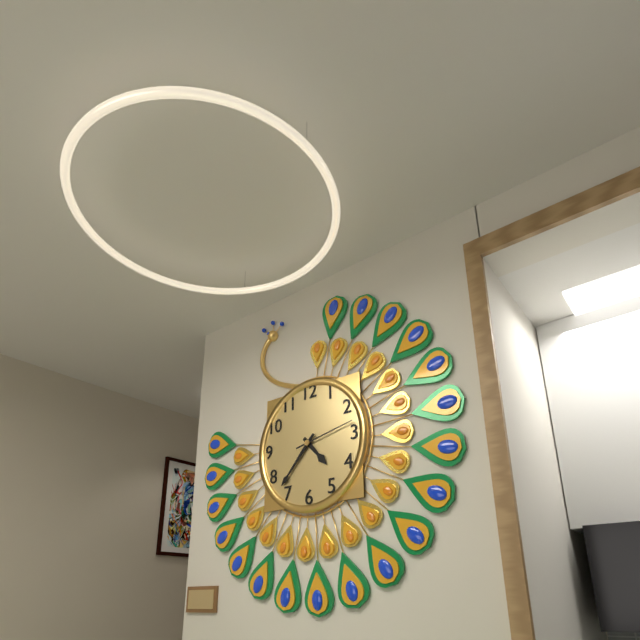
{"hour": 4, "minute": 37, "second": 13}
